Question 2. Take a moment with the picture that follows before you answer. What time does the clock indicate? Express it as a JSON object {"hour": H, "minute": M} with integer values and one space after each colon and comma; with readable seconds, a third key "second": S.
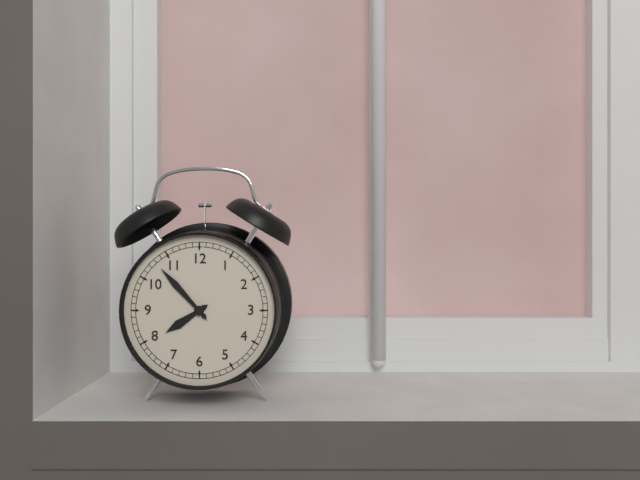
{"hour": 7, "minute": 53}
